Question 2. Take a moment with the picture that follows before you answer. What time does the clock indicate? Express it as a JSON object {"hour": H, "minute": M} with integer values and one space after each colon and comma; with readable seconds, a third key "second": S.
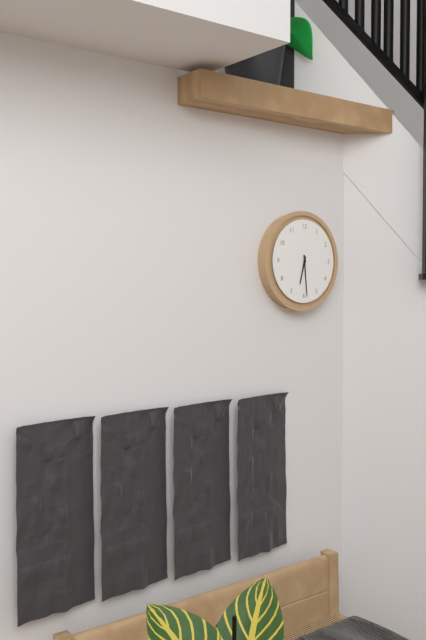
{"hour": 6, "minute": 29}
